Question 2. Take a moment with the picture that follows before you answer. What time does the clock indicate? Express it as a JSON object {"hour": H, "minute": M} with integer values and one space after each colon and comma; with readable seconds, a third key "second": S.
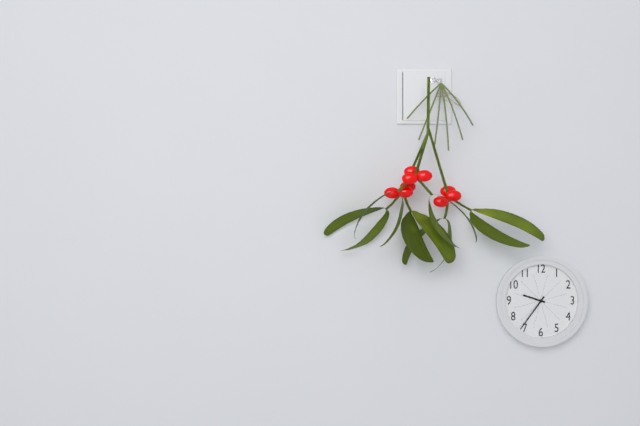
{"hour": 9, "minute": 36}
